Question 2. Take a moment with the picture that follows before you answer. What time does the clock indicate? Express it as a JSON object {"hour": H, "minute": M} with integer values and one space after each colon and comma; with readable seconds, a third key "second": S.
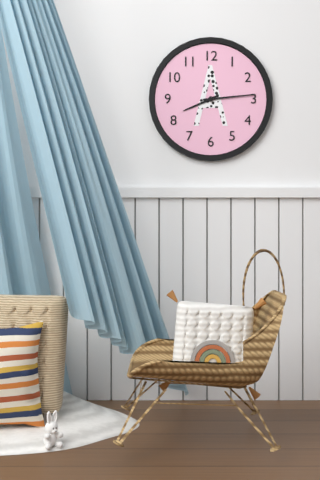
{"hour": 8, "minute": 14}
